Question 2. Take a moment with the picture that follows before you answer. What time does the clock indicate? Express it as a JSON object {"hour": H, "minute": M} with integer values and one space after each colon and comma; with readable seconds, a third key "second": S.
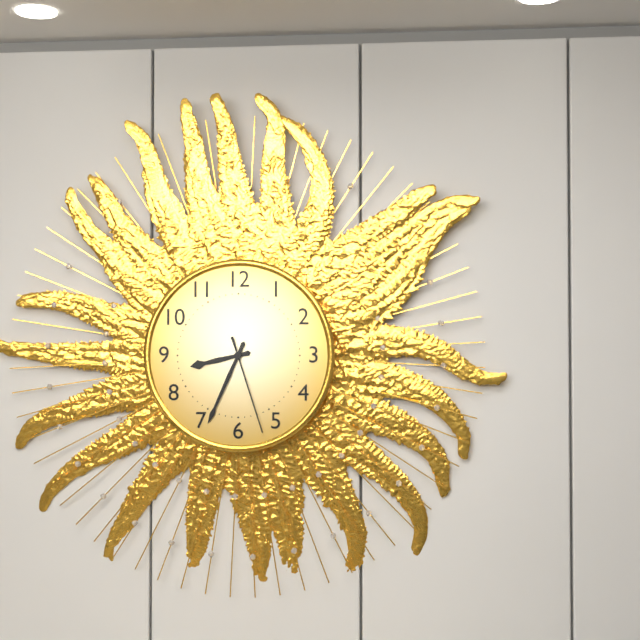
{"hour": 8, "minute": 34, "second": 27}
